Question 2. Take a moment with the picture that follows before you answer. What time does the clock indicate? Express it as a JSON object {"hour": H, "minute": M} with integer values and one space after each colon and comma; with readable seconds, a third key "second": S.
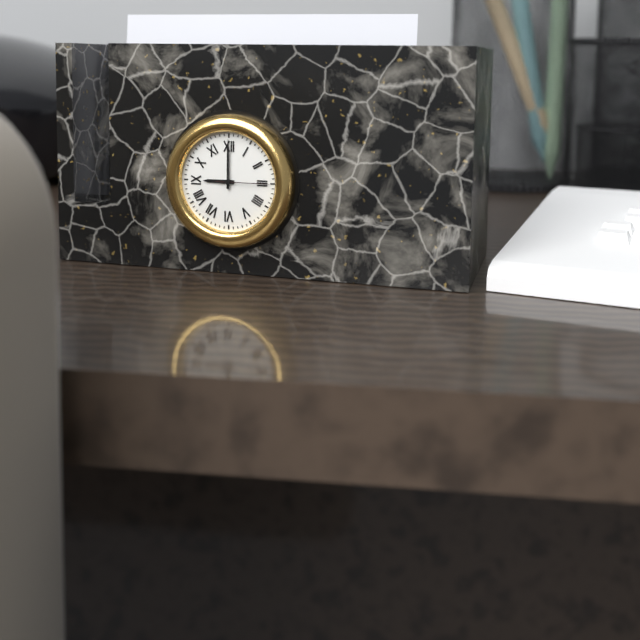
{"hour": 9, "minute": 0}
